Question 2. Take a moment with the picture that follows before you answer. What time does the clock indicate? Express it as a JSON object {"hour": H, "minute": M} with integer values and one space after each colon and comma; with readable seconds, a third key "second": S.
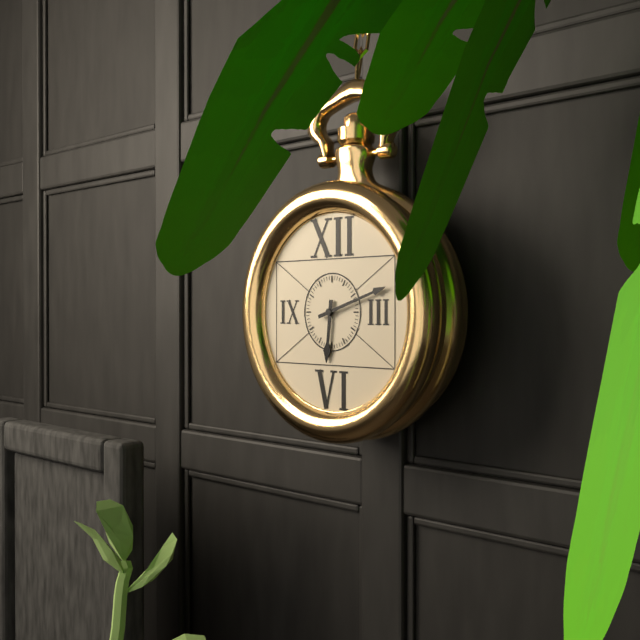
{"hour": 6, "minute": 12}
